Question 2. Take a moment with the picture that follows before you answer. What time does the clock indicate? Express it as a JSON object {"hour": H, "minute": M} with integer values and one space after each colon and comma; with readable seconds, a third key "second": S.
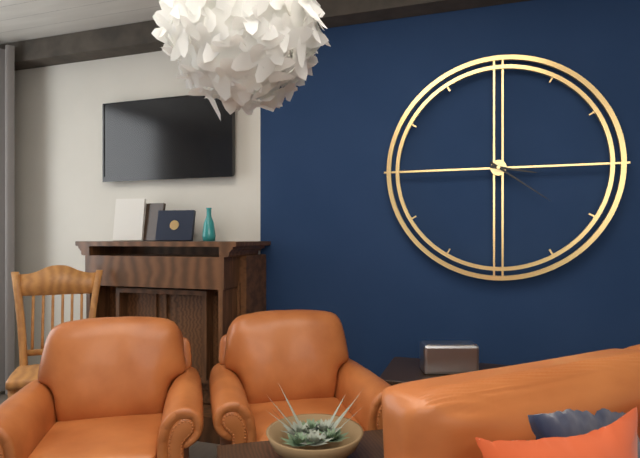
{"hour": 3, "minute": 21}
